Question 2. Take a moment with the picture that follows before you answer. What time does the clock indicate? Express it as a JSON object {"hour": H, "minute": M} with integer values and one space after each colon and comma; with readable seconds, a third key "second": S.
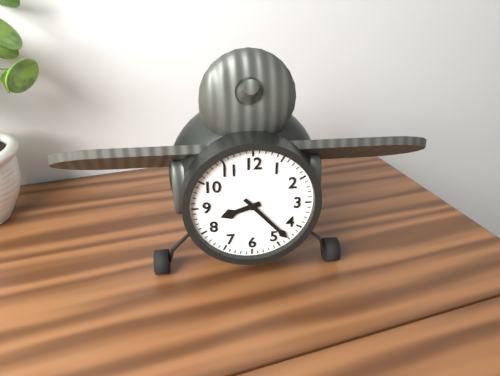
{"hour": 8, "minute": 23}
